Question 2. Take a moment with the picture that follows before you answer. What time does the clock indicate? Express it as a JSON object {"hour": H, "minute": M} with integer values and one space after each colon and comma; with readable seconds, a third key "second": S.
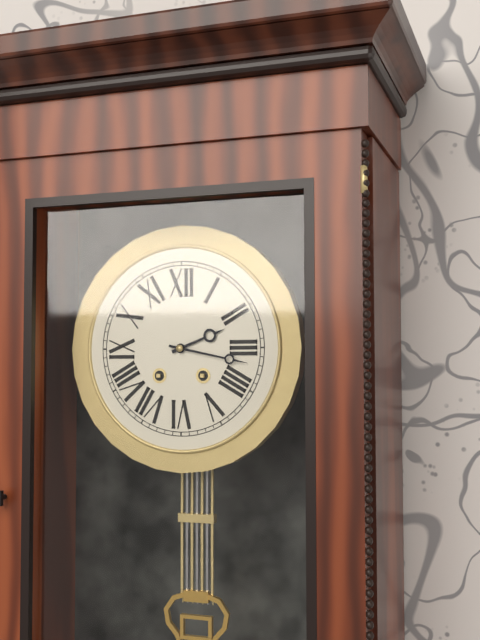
{"hour": 2, "minute": 17}
